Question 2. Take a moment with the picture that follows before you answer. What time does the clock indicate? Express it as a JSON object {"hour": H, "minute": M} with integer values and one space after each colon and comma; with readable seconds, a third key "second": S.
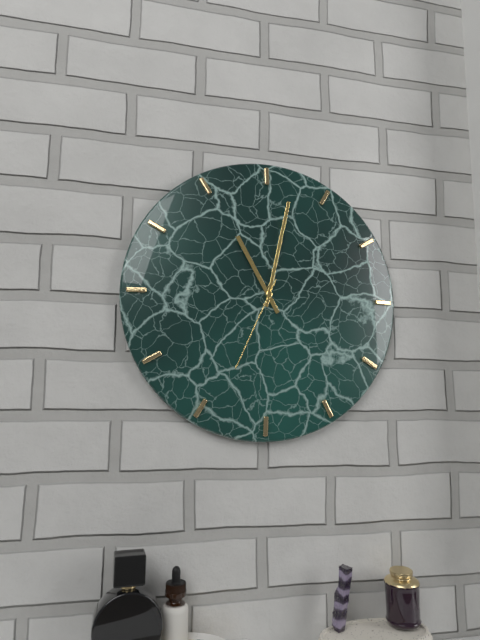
{"hour": 11, "minute": 2, "second": 34}
